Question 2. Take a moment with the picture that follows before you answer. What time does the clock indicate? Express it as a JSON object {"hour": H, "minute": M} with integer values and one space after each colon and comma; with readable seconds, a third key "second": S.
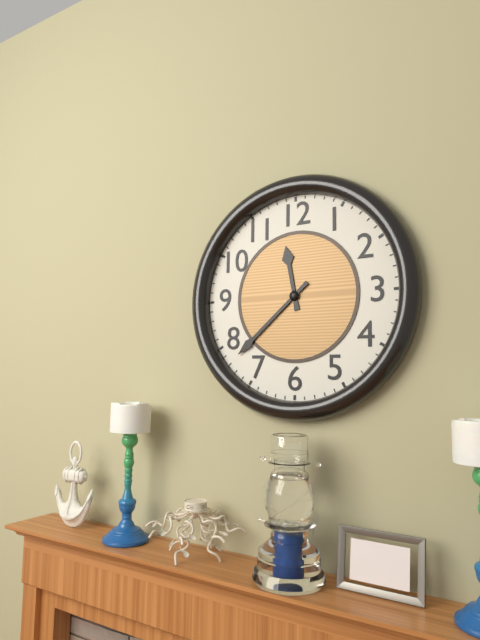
{"hour": 11, "minute": 38}
